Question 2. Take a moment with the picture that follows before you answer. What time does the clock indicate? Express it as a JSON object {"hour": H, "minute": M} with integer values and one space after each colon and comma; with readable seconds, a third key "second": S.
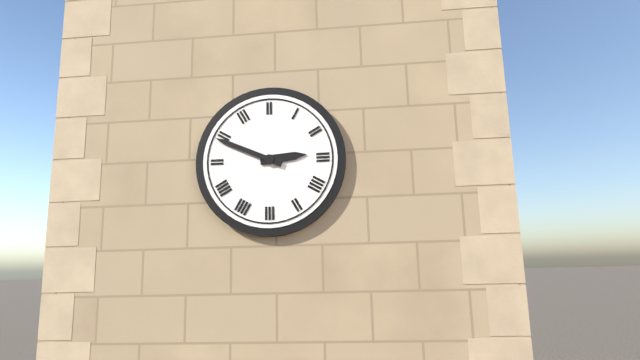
{"hour": 2, "minute": 49}
